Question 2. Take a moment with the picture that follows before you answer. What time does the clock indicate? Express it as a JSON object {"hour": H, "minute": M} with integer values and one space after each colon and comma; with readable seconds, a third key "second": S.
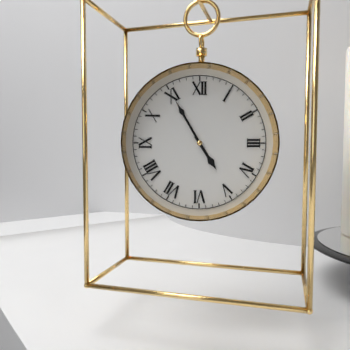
{"hour": 4, "minute": 55}
